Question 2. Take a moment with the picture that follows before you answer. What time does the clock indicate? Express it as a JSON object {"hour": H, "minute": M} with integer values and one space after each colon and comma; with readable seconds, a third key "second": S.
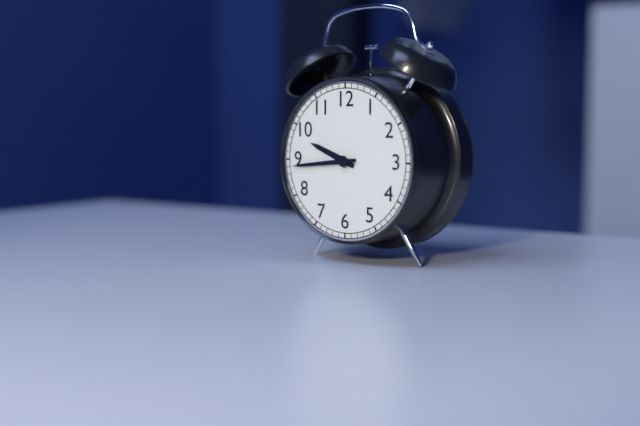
{"hour": 9, "minute": 44}
